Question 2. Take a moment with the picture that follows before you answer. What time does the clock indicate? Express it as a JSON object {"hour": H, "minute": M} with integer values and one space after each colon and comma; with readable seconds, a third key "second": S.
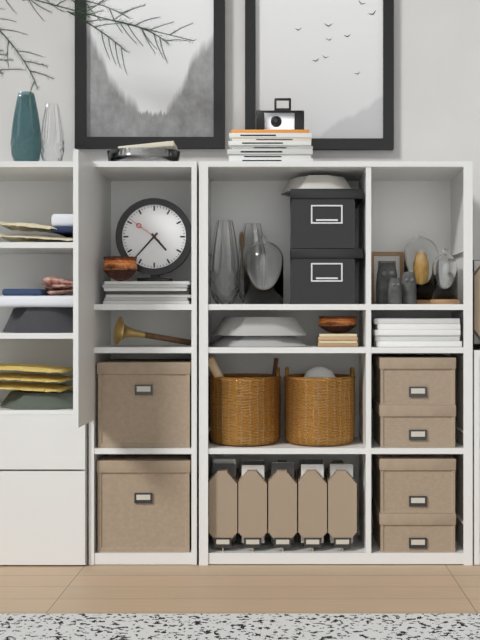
{"hour": 4, "minute": 37}
